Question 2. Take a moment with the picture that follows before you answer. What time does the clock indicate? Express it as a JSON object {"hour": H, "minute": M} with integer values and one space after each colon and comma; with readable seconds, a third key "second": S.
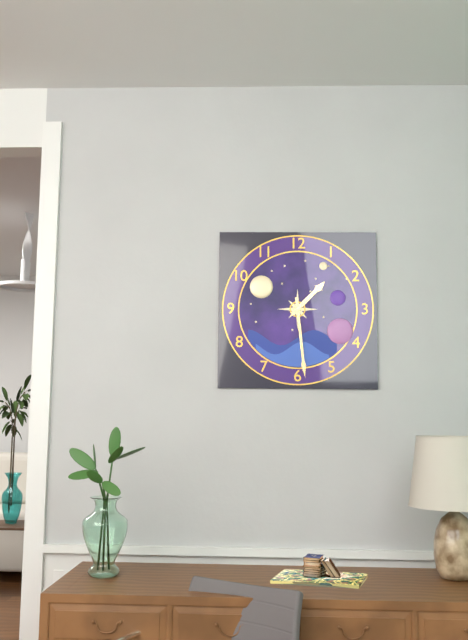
{"hour": 1, "minute": 29}
